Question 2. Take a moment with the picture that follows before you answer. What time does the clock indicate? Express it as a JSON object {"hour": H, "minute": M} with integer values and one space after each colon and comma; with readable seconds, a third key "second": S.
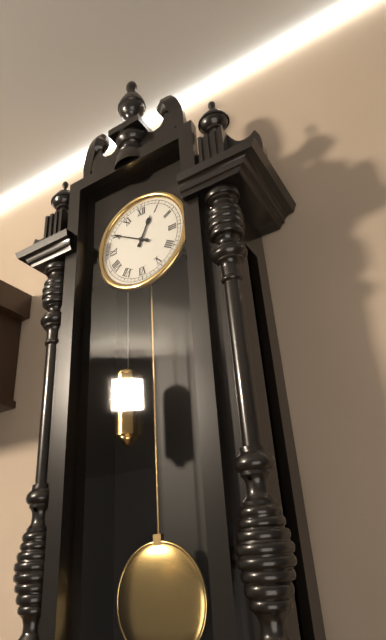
{"hour": 12, "minute": 50}
